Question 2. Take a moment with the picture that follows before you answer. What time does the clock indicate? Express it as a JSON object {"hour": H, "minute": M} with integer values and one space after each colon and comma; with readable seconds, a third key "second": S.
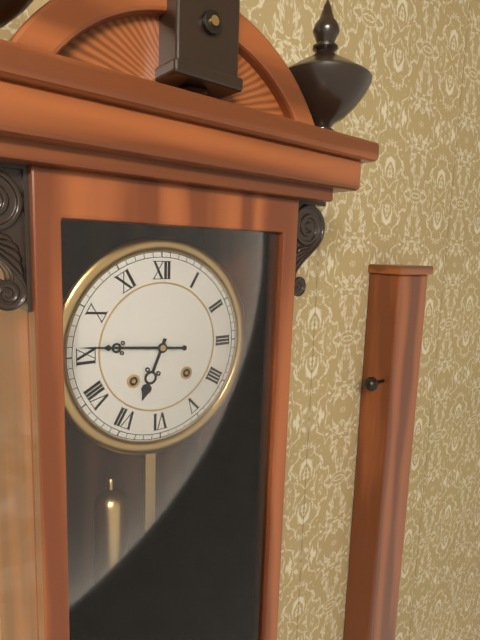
{"hour": 6, "minute": 46}
